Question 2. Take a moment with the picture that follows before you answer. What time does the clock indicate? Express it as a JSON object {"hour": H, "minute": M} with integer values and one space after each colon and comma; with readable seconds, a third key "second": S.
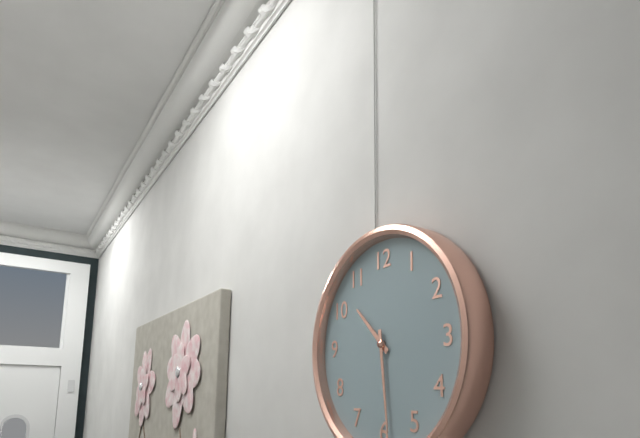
{"hour": 10, "minute": 29}
